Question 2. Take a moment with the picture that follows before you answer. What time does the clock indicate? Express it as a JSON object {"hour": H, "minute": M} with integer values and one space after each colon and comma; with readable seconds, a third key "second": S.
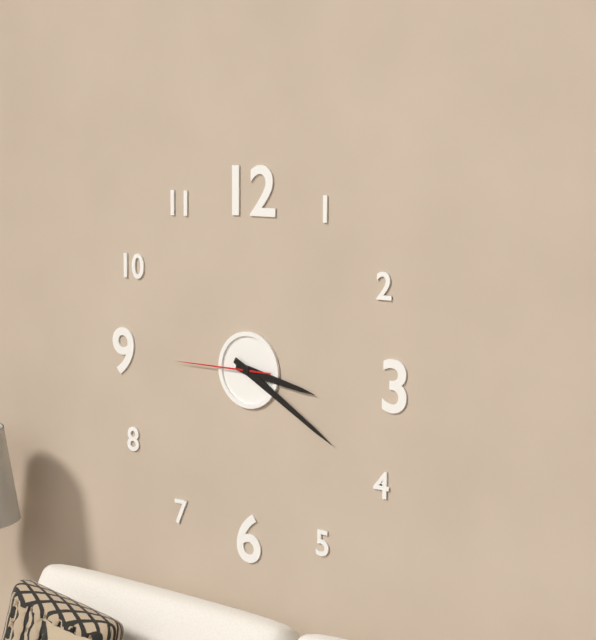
{"hour": 3, "minute": 20, "second": 45}
